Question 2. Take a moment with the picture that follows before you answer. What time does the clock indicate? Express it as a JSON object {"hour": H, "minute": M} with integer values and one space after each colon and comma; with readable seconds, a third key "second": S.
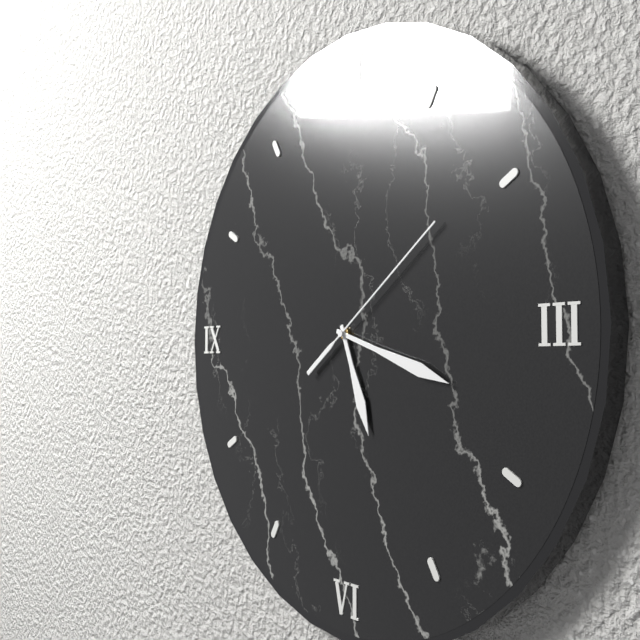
{"hour": 5, "minute": 18, "second": 9}
